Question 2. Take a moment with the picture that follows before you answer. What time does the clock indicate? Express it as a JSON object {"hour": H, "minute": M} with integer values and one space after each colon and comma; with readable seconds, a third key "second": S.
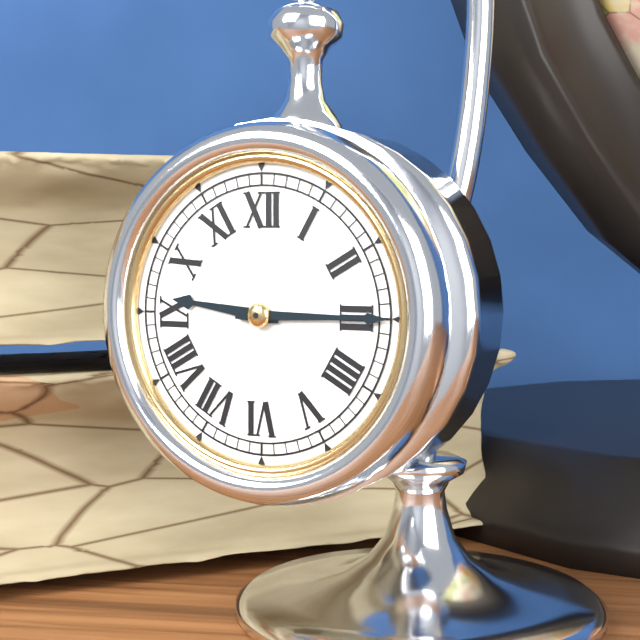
{"hour": 9, "minute": 15}
